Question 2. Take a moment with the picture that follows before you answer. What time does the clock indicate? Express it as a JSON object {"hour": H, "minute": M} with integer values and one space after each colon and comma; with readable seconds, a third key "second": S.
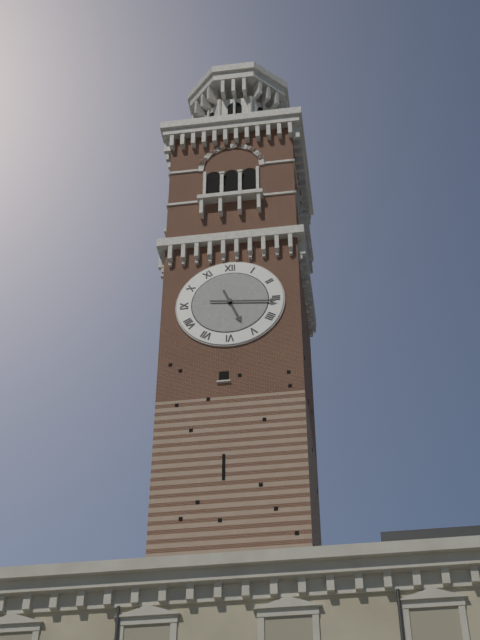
{"hour": 5, "minute": 16}
